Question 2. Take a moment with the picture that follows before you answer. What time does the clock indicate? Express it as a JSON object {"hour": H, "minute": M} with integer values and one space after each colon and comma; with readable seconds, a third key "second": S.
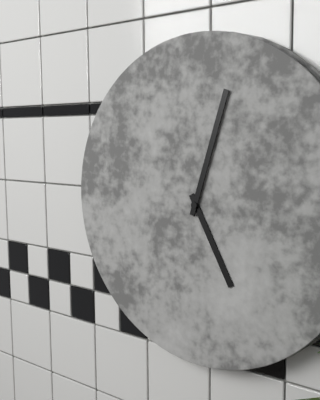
{"hour": 5, "minute": 3}
